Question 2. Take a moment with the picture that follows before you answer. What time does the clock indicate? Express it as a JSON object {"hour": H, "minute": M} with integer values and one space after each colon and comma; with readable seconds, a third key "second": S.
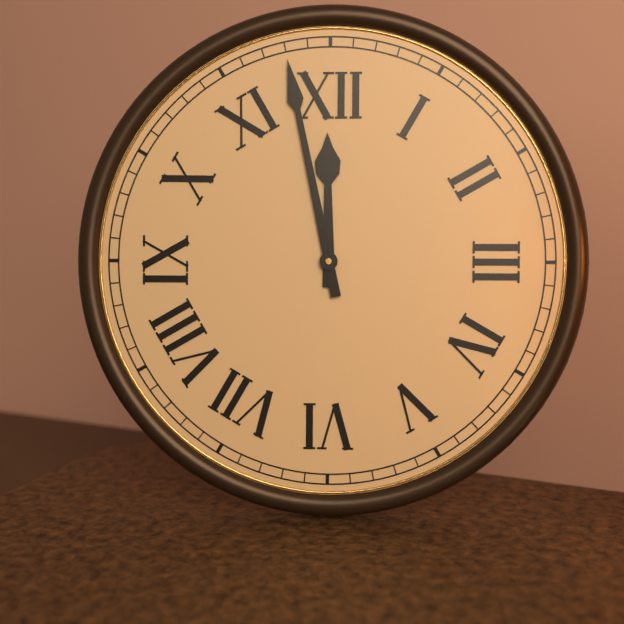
{"hour": 11, "minute": 58}
